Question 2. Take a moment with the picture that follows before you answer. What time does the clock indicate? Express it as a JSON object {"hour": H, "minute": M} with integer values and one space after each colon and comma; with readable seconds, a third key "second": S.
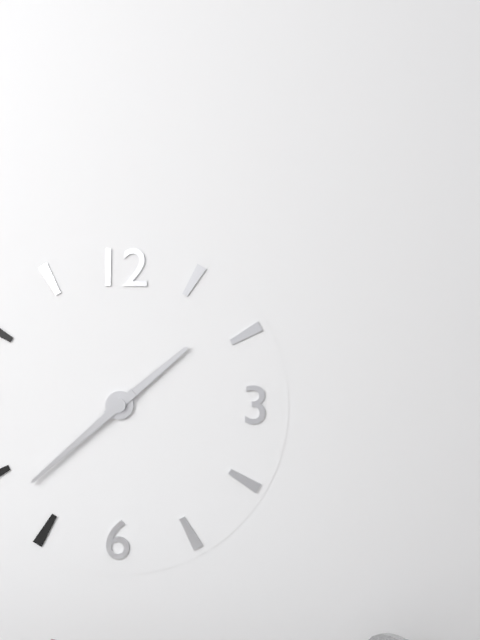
{"hour": 1, "minute": 38}
